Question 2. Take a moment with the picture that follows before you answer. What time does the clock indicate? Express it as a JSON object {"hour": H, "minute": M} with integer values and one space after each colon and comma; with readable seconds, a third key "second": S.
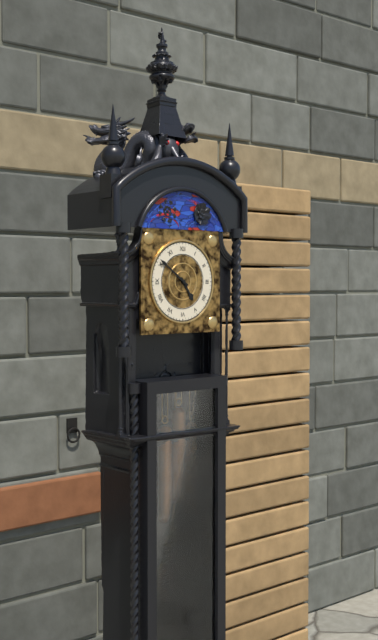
{"hour": 4, "minute": 51}
